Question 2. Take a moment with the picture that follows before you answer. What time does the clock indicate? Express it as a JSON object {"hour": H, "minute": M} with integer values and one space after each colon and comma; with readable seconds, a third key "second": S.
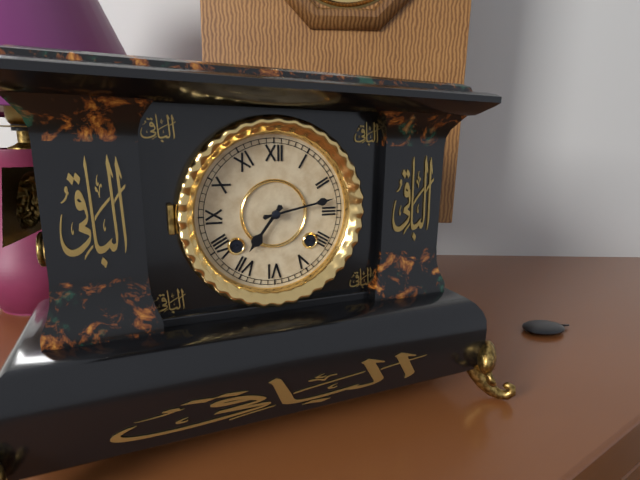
{"hour": 7, "minute": 13}
